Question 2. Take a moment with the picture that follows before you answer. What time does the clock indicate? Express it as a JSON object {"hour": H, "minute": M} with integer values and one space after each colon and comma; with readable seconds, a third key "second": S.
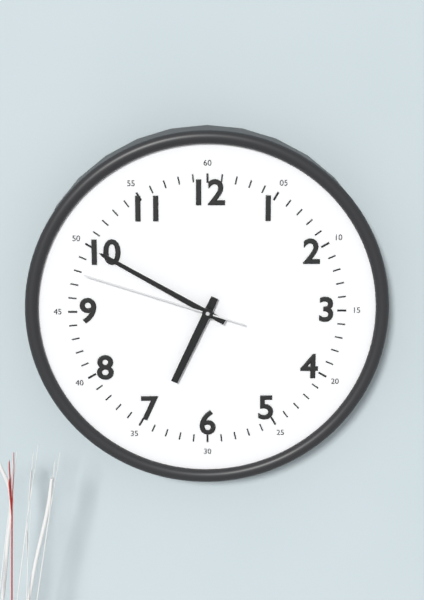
{"hour": 6, "minute": 50, "second": 48}
